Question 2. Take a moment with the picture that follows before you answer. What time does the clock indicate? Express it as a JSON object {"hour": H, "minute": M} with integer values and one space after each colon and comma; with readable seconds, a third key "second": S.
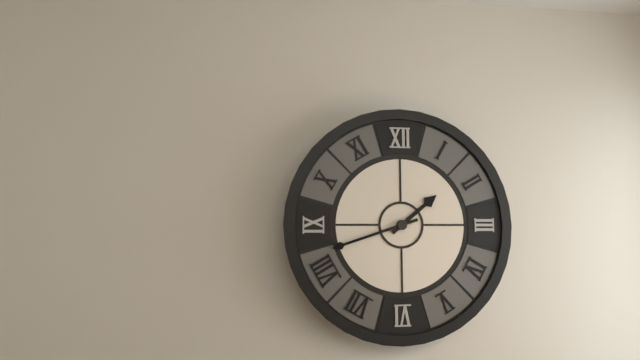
{"hour": 1, "minute": 42}
